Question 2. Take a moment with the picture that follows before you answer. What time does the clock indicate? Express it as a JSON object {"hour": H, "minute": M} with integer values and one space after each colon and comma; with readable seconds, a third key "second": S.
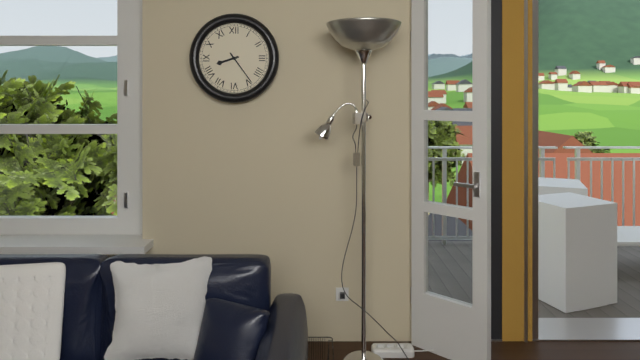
{"hour": 8, "minute": 24}
